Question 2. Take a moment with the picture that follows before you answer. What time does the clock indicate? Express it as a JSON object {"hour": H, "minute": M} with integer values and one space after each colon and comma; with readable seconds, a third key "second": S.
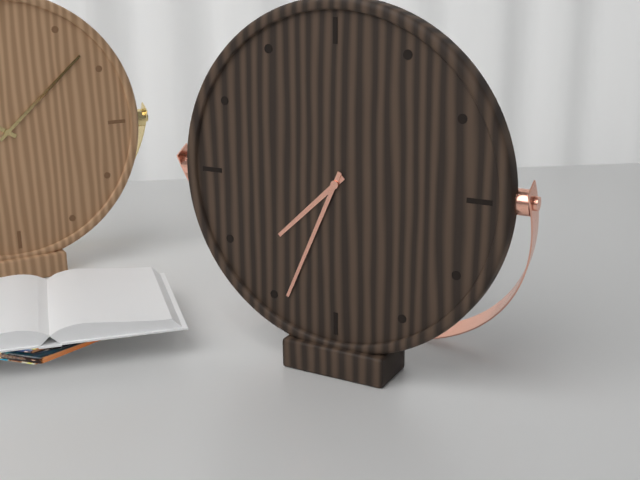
{"hour": 7, "minute": 34}
